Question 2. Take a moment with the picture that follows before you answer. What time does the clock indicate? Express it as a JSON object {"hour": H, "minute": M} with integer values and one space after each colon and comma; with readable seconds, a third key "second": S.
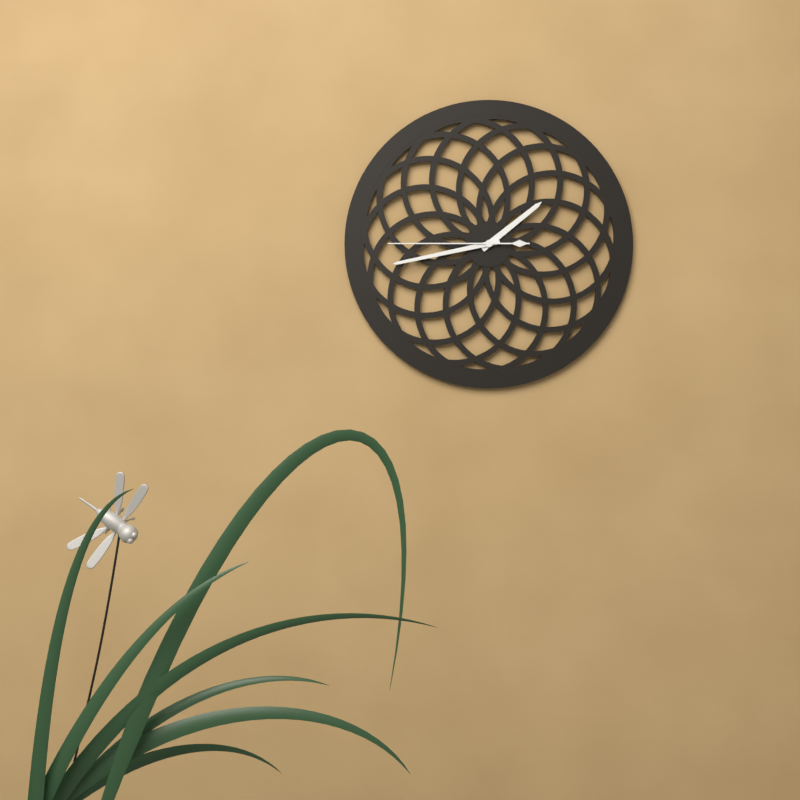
{"hour": 1, "minute": 43, "second": 45}
